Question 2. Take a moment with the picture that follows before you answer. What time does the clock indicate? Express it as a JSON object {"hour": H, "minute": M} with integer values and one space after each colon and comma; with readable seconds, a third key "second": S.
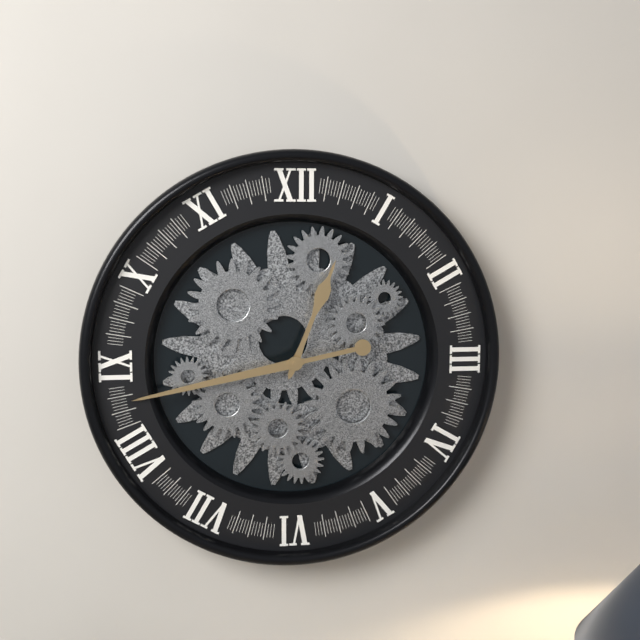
{"hour": 12, "minute": 43}
